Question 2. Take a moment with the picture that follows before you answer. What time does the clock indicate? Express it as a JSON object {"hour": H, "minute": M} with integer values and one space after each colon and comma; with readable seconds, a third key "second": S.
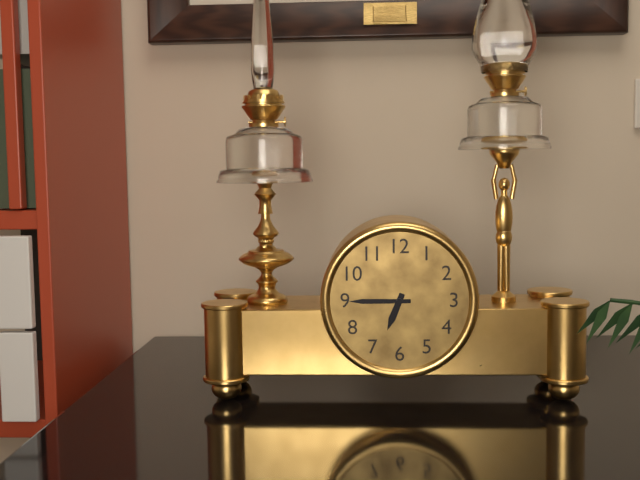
{"hour": 6, "minute": 45}
